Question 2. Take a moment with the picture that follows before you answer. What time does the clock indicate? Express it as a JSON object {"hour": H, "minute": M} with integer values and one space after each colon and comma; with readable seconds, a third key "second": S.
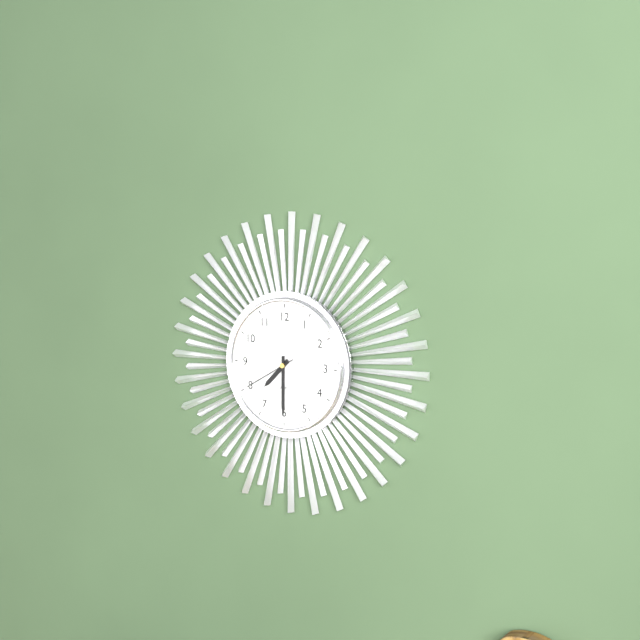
{"hour": 7, "minute": 30, "second": 40}
